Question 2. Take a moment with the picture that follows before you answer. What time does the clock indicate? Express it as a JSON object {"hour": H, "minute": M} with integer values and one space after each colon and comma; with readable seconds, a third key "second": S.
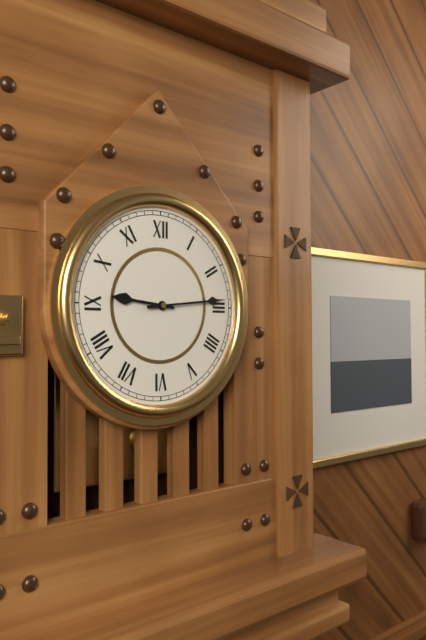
{"hour": 9, "minute": 14}
